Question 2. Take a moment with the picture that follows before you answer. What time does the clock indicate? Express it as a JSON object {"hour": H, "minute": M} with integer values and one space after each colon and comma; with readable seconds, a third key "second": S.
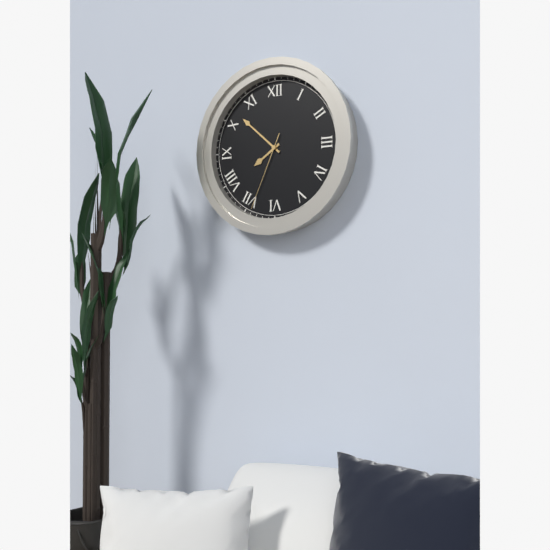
{"hour": 7, "minute": 52, "second": 34}
